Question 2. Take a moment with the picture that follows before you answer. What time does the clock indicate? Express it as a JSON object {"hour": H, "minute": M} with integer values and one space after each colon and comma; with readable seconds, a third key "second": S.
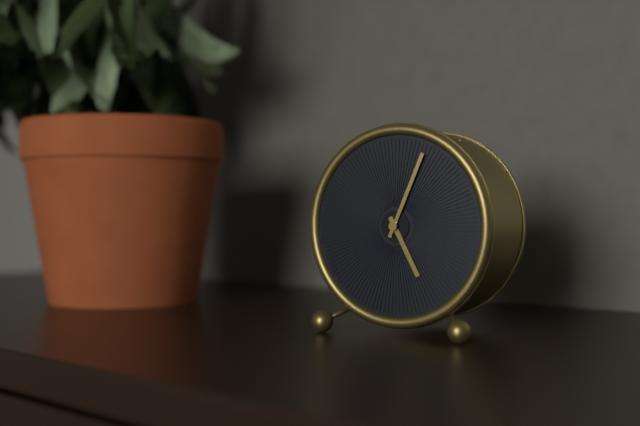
{"hour": 5, "minute": 4}
